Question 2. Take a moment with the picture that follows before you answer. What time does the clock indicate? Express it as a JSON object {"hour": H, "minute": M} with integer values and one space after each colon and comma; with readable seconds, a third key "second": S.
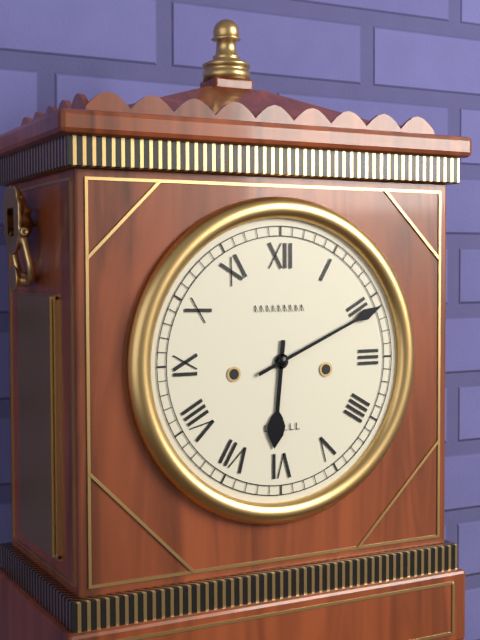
{"hour": 6, "minute": 11}
